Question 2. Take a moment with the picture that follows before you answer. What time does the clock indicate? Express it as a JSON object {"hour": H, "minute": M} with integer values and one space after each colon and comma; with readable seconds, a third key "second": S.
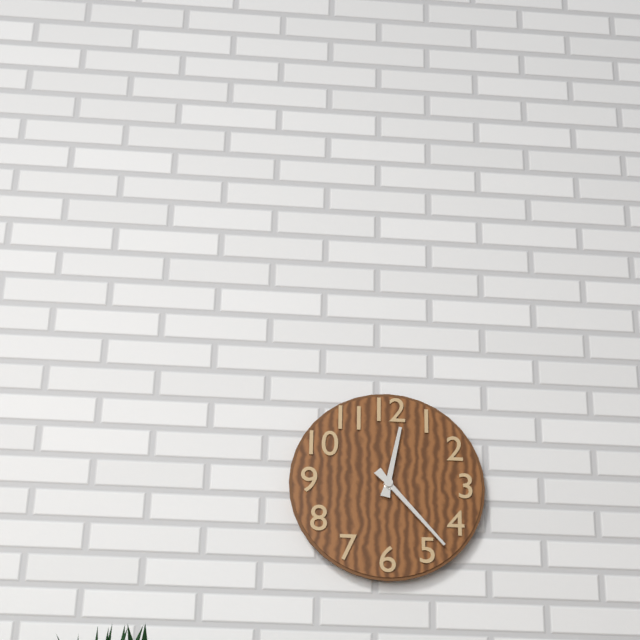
{"hour": 12, "minute": 23}
